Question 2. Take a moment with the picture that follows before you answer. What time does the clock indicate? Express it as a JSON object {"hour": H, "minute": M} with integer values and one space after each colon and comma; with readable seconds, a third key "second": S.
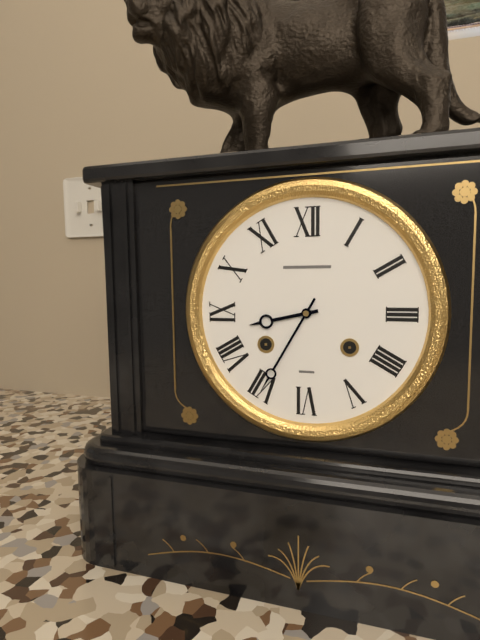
{"hour": 8, "minute": 35}
